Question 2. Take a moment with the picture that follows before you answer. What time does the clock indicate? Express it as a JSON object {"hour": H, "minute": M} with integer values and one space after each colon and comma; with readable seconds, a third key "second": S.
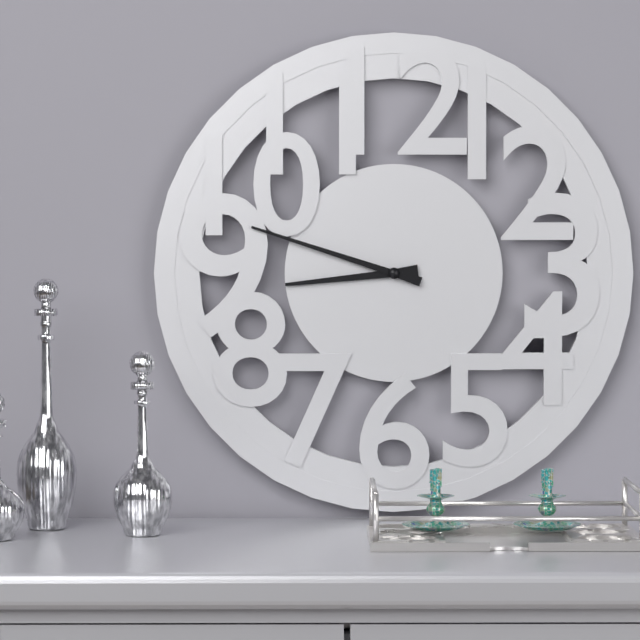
{"hour": 8, "minute": 48}
